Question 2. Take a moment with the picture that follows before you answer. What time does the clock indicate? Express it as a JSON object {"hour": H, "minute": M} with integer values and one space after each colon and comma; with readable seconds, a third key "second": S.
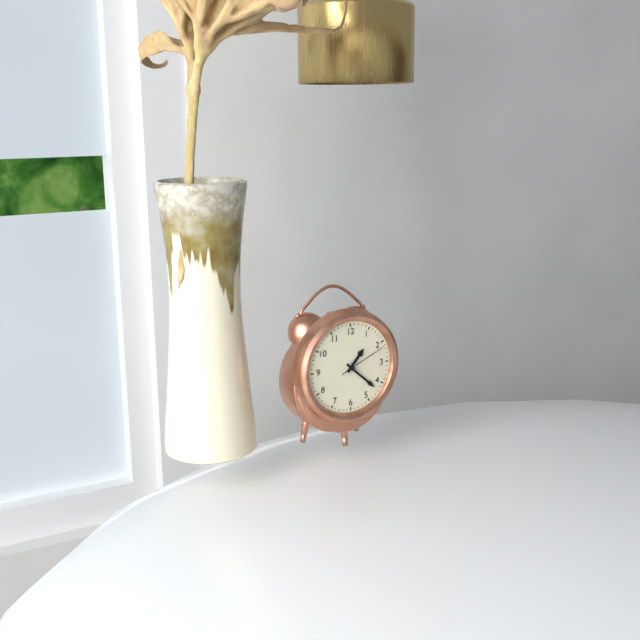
{"hour": 1, "minute": 22}
